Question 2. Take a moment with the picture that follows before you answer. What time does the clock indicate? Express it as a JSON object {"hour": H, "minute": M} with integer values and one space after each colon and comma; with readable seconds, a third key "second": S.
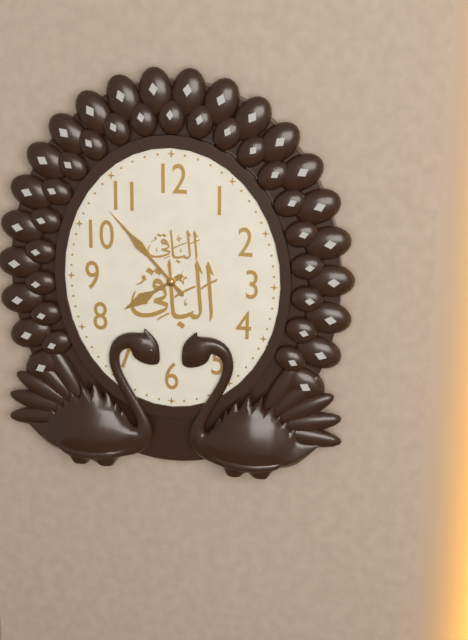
{"hour": 7, "minute": 53}
